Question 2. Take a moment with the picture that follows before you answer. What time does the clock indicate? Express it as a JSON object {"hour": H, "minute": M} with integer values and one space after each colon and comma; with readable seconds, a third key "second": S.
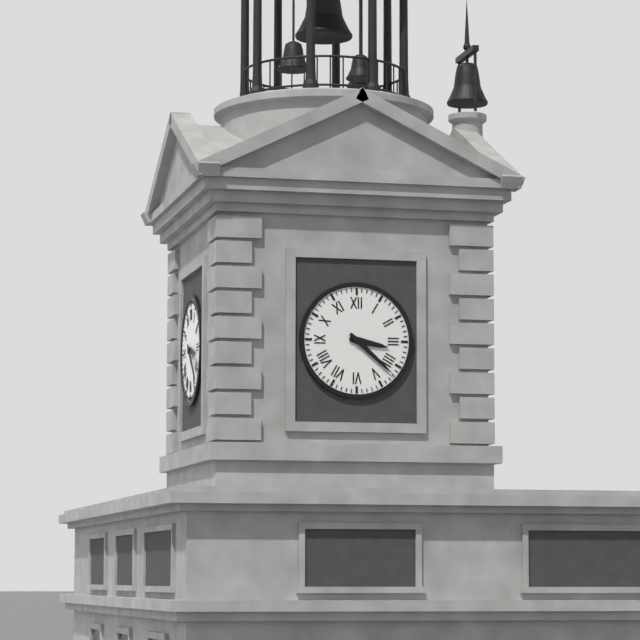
{"hour": 3, "minute": 22}
